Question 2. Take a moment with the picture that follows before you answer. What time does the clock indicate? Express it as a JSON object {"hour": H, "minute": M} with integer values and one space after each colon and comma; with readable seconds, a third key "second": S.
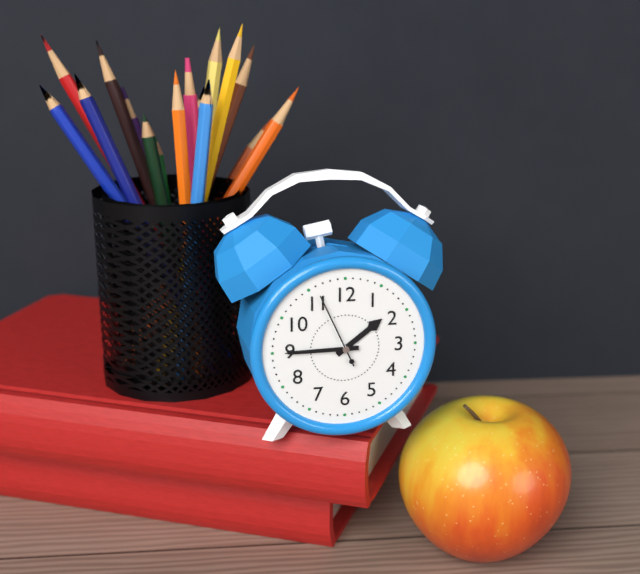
{"hour": 1, "minute": 45, "second": 56}
